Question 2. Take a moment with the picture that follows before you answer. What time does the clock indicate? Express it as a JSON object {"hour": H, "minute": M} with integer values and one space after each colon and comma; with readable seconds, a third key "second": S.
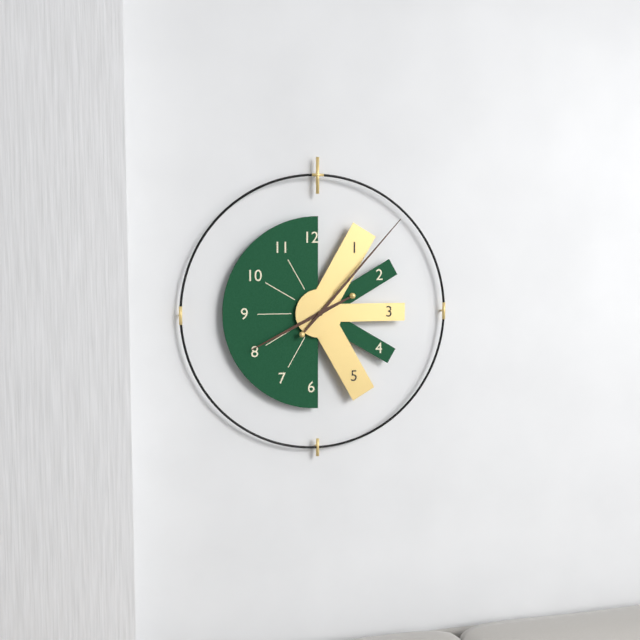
{"hour": 8, "minute": 7}
